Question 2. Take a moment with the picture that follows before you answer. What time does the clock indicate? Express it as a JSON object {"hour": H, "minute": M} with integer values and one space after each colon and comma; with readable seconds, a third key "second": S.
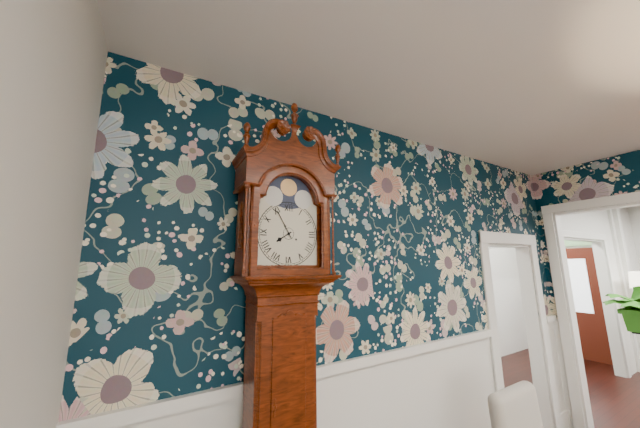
{"hour": 7, "minute": 55}
